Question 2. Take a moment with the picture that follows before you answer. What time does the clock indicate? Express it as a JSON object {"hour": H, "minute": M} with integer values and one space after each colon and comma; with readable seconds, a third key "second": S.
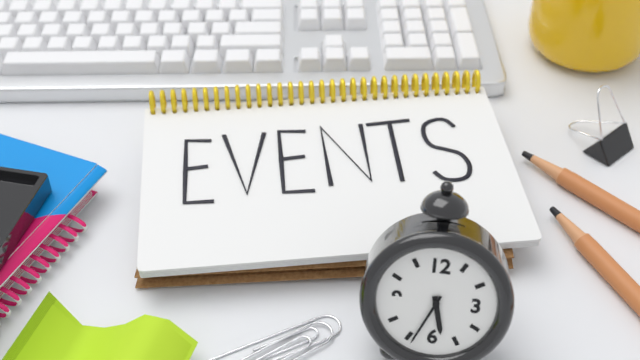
{"hour": 5, "minute": 34}
